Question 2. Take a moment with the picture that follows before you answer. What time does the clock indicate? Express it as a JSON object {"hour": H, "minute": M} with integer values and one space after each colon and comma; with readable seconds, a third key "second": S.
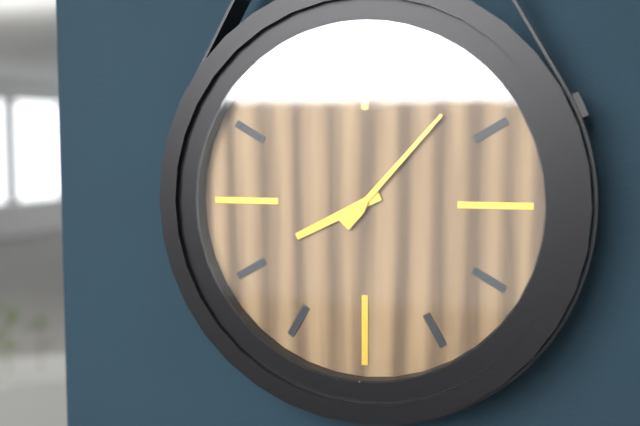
{"hour": 8, "minute": 7}
